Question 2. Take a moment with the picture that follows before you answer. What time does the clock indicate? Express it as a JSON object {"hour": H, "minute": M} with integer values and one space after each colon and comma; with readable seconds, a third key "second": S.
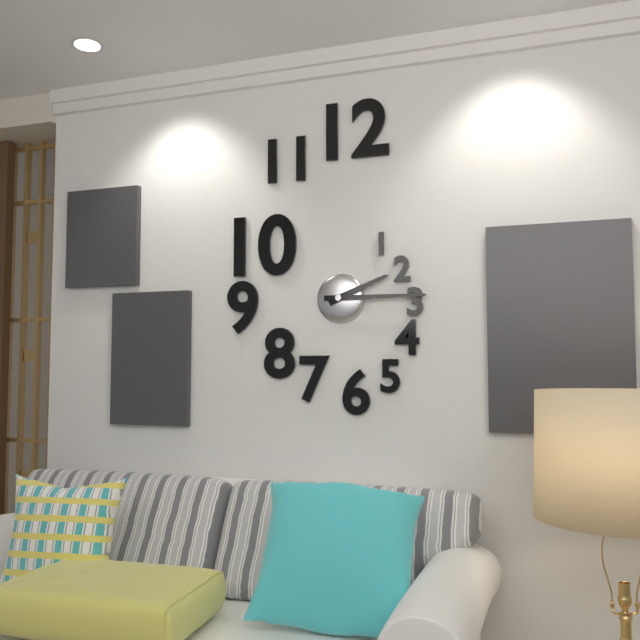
{"hour": 2, "minute": 15}
